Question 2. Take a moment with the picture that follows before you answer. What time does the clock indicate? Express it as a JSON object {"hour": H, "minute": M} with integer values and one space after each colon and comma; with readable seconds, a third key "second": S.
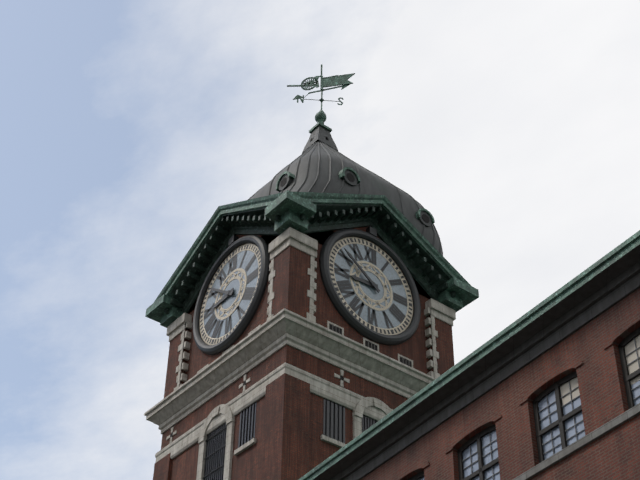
{"hour": 8, "minute": 51}
